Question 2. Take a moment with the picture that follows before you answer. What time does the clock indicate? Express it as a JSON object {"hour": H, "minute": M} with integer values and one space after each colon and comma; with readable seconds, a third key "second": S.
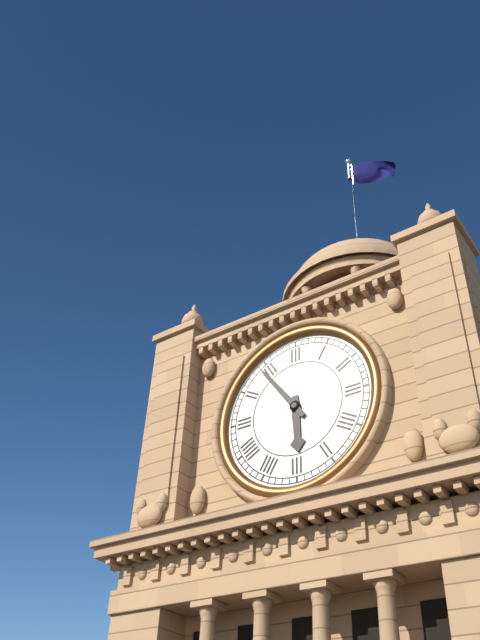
{"hour": 5, "minute": 54}
